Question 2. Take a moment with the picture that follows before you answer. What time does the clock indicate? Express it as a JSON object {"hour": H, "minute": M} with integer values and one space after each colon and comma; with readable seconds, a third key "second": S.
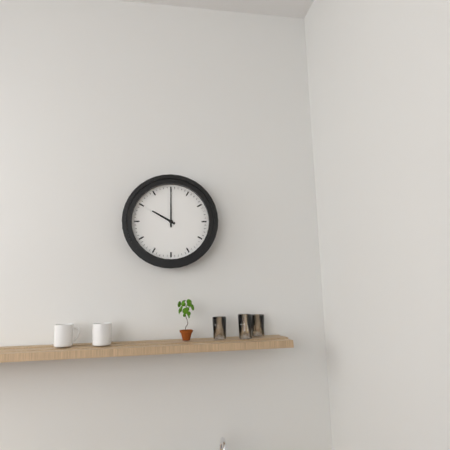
{"hour": 10, "minute": 0}
